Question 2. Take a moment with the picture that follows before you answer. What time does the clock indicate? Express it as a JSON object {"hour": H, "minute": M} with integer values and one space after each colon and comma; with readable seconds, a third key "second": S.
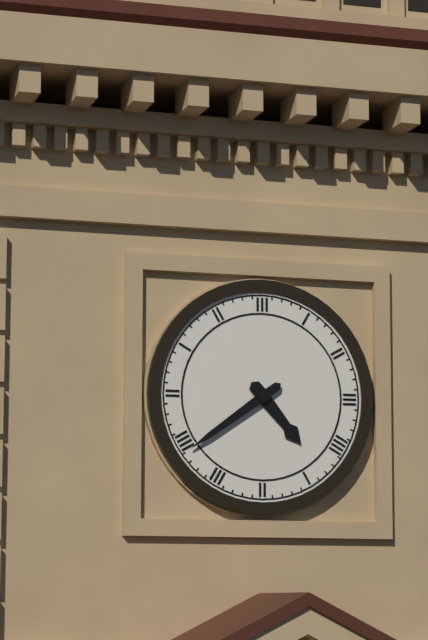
{"hour": 4, "minute": 39}
